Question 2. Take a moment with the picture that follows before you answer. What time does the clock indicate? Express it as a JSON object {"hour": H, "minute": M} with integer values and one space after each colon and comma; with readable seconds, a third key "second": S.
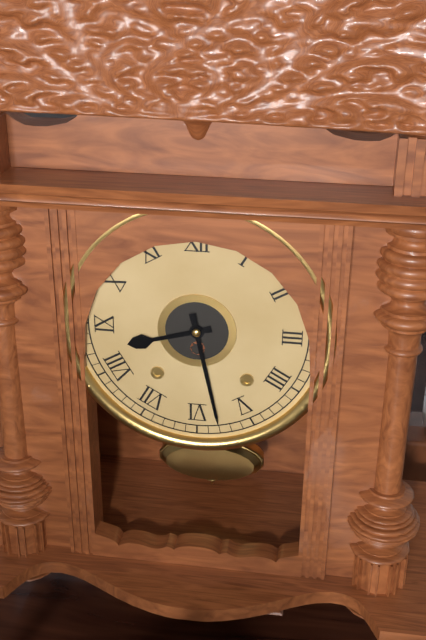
{"hour": 8, "minute": 28}
